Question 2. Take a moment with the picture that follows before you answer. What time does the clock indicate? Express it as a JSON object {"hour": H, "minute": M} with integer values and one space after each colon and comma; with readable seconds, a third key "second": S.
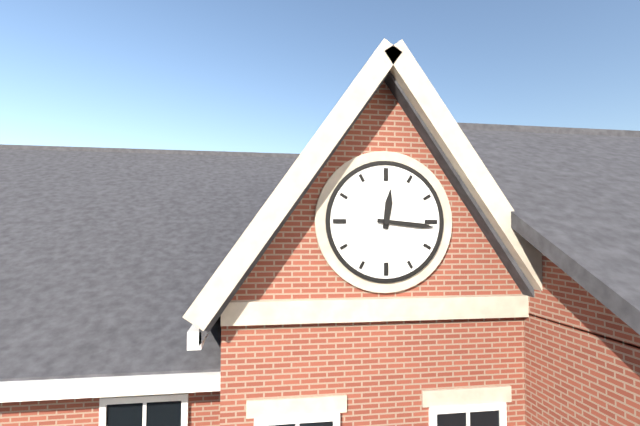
{"hour": 12, "minute": 16}
